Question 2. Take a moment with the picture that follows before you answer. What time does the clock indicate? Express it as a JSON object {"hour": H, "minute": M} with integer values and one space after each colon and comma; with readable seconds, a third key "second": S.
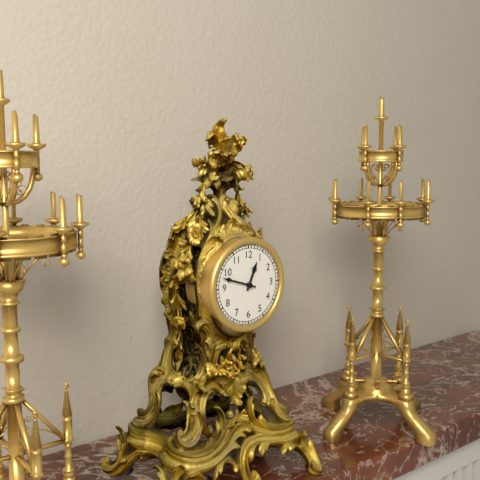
{"hour": 12, "minute": 48}
